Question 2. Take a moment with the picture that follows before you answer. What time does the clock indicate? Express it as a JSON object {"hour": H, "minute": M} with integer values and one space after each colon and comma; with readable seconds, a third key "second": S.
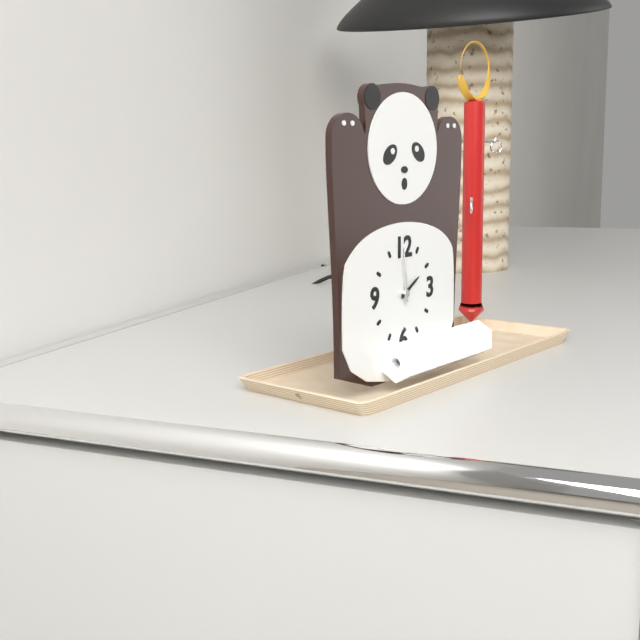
{"hour": 1, "minute": 59}
